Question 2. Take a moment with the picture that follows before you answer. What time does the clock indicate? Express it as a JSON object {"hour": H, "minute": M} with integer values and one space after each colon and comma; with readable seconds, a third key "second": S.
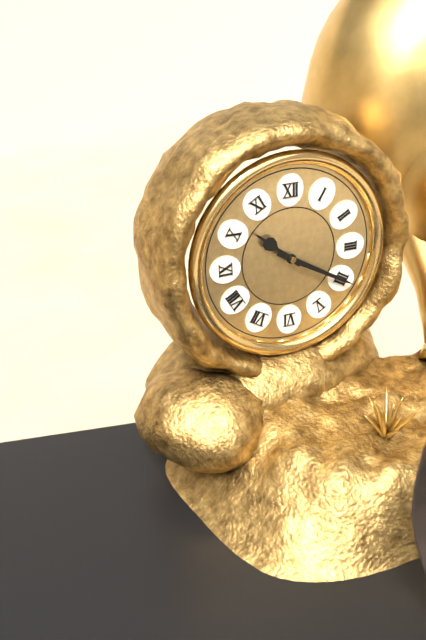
{"hour": 10, "minute": 20}
